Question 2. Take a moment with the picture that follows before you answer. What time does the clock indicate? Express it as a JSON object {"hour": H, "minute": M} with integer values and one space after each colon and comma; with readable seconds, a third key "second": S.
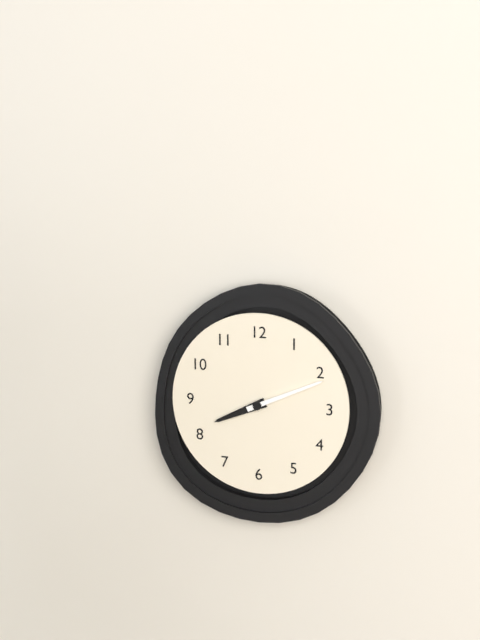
{"hour": 8, "minute": 11}
